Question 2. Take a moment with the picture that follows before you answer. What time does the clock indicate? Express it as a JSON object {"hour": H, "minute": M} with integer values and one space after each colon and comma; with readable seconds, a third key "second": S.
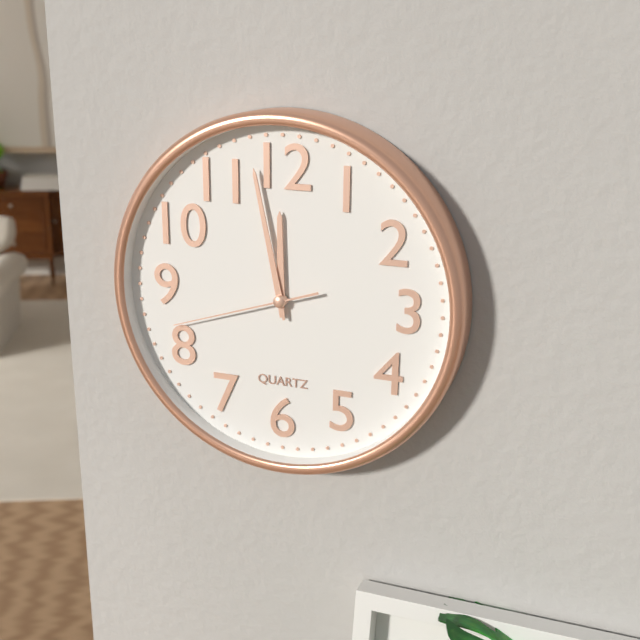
{"hour": 11, "minute": 58, "second": 42}
